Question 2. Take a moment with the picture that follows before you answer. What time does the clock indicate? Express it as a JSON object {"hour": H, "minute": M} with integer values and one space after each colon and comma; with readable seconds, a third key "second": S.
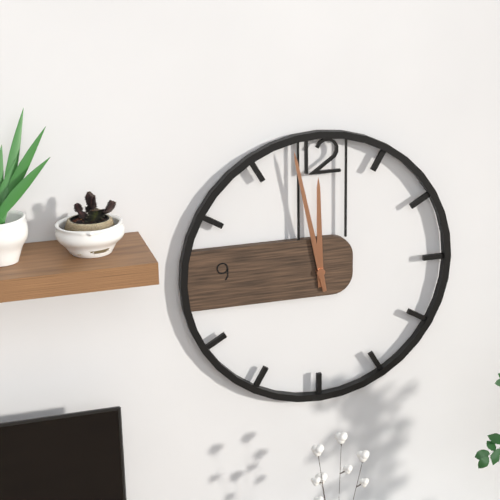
{"hour": 11, "minute": 58}
